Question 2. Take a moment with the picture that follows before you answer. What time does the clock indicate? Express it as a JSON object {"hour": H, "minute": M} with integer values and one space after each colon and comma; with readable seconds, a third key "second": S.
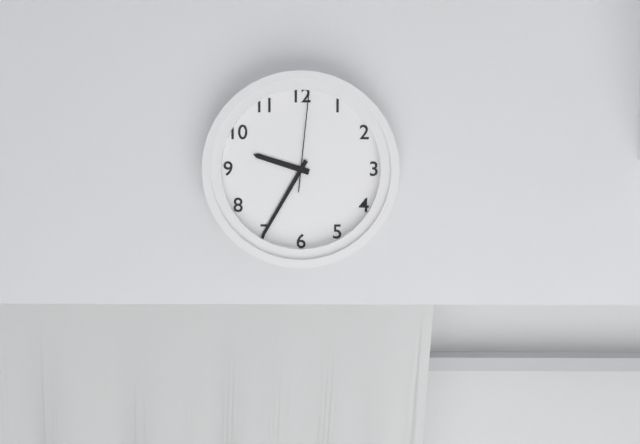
{"hour": 9, "minute": 35, "second": 1}
